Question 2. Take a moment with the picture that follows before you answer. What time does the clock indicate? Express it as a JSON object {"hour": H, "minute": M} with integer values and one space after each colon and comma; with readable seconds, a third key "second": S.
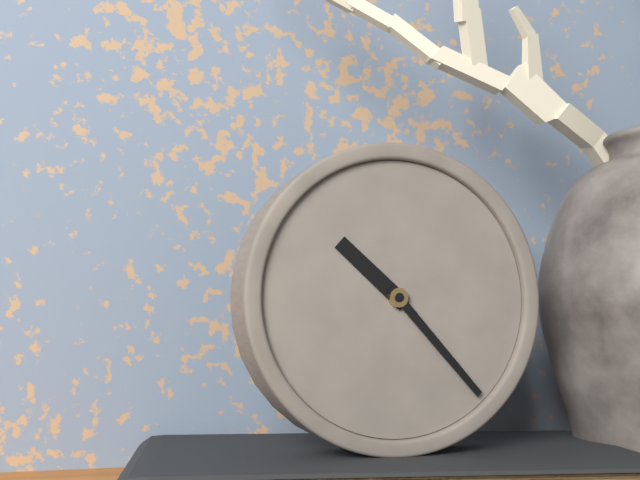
{"hour": 10, "minute": 23}
